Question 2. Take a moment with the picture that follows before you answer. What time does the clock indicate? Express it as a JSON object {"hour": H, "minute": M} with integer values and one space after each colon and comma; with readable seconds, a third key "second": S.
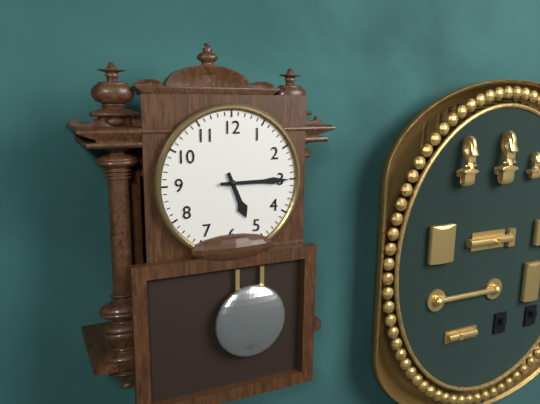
{"hour": 5, "minute": 15}
